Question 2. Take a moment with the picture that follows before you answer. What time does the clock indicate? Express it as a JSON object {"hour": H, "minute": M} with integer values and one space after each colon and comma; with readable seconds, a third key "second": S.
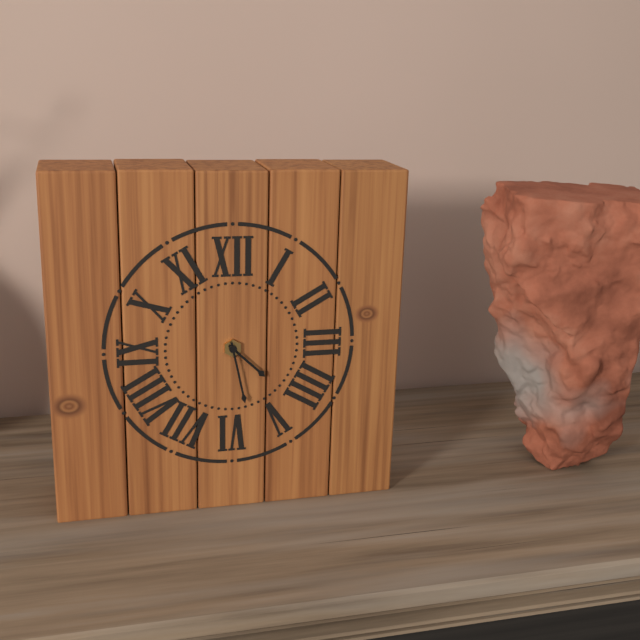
{"hour": 4, "minute": 28}
